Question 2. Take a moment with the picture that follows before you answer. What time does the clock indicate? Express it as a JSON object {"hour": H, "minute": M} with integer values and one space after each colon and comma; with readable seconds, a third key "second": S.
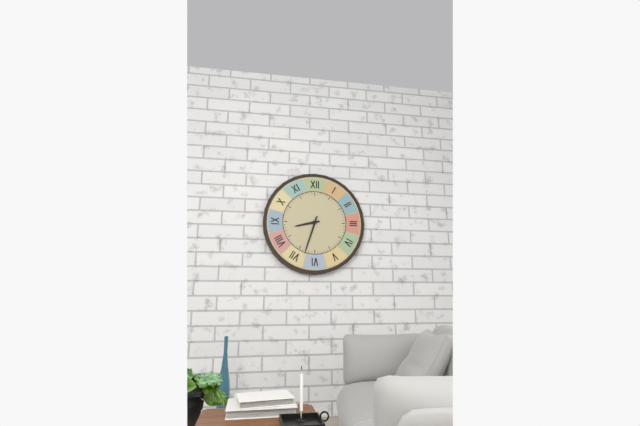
{"hour": 8, "minute": 33}
